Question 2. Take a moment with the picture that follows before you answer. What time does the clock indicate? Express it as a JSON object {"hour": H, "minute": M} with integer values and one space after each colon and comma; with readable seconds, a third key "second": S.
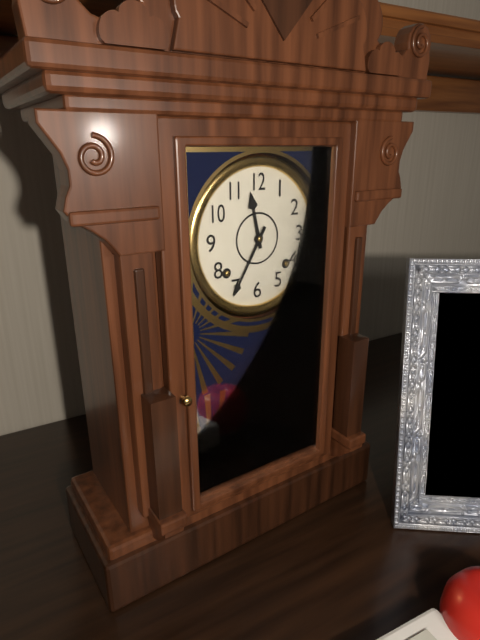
{"hour": 11, "minute": 35}
